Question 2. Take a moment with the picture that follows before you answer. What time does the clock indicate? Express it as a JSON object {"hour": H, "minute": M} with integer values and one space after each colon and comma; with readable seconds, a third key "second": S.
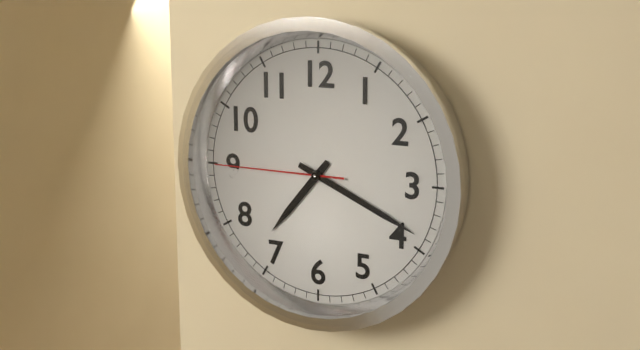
{"hour": 7, "minute": 19, "second": 45}
